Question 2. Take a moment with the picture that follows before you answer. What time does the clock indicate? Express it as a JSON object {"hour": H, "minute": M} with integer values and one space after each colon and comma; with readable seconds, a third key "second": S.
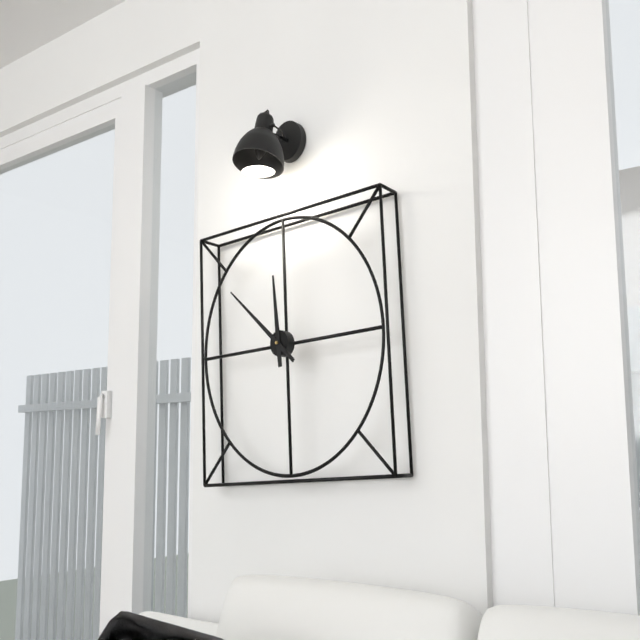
{"hour": 11, "minute": 52}
